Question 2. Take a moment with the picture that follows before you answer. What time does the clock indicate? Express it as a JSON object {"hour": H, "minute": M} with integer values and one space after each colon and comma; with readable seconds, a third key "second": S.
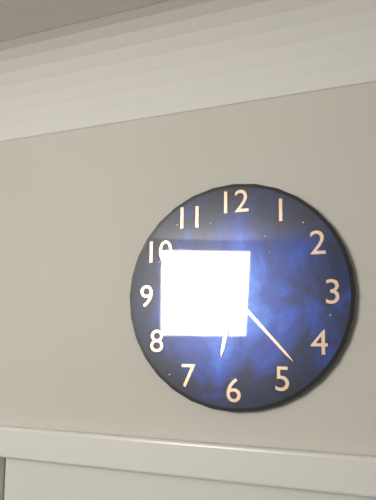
{"hour": 6, "minute": 23}
